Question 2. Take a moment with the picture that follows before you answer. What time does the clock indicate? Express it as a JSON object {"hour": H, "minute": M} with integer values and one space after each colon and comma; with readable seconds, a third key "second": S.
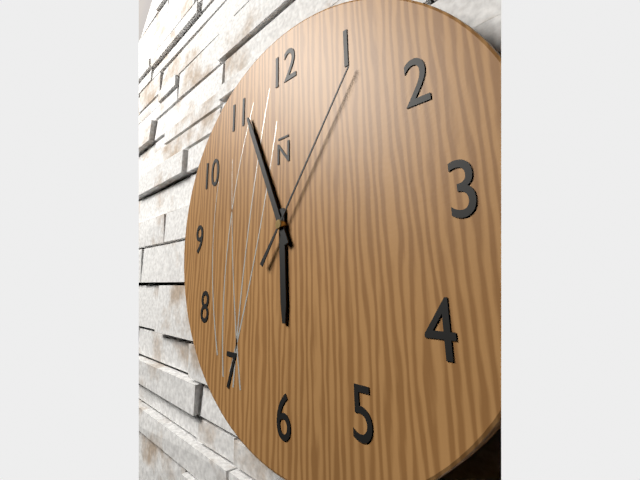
{"hour": 5, "minute": 56, "second": 6}
